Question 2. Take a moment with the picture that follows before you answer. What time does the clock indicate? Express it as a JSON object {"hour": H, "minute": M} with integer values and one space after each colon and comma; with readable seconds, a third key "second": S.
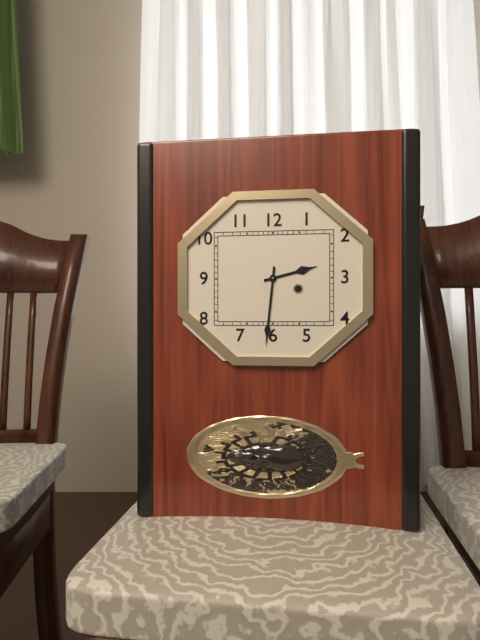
{"hour": 2, "minute": 31}
